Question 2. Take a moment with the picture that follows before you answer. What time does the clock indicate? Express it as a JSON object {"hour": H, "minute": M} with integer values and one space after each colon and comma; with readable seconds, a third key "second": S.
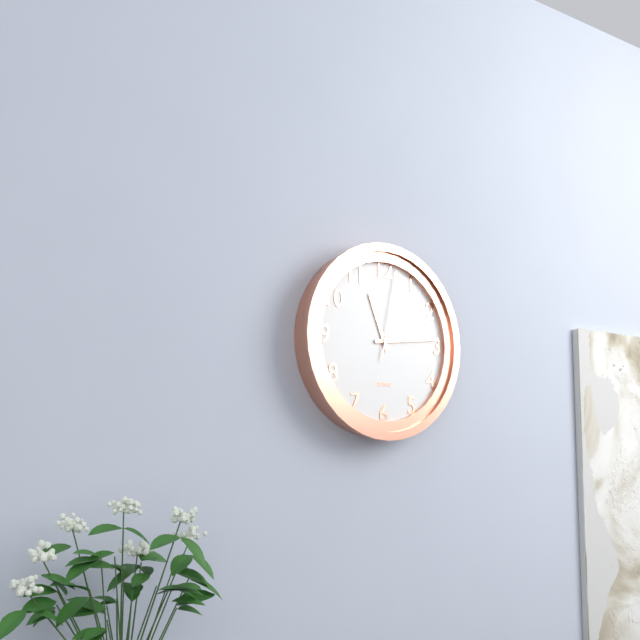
{"hour": 11, "minute": 14, "second": 2}
